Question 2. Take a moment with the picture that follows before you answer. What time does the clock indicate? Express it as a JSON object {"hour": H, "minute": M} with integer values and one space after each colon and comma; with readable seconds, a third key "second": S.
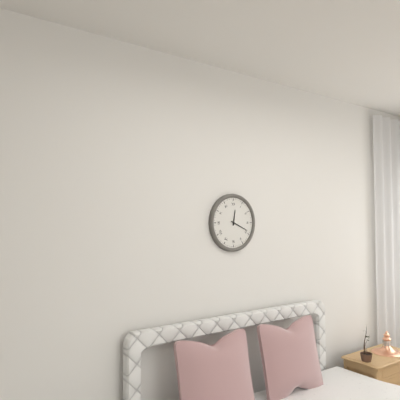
{"hour": 12, "minute": 19}
